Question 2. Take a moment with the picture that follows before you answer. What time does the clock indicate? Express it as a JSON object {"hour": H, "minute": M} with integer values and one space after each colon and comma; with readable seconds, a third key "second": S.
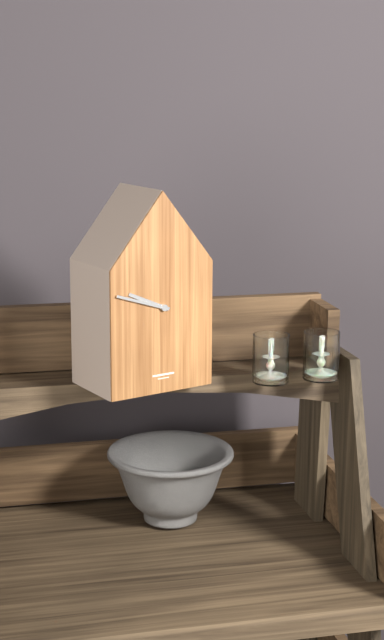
{"hour": 9, "minute": 48}
